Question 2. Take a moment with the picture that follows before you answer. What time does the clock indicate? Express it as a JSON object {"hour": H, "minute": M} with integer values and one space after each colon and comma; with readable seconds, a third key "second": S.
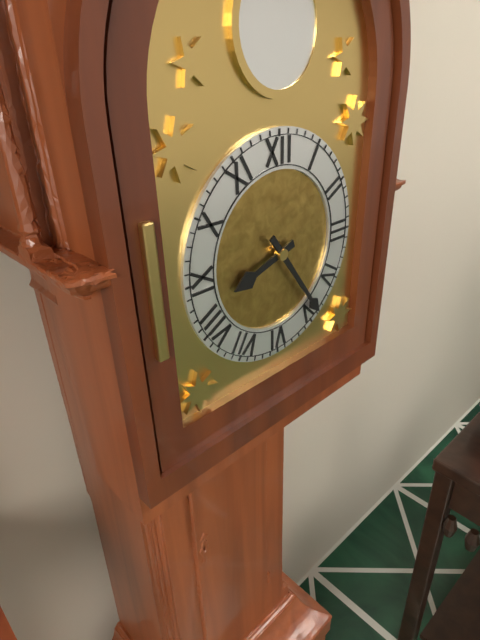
{"hour": 8, "minute": 24}
